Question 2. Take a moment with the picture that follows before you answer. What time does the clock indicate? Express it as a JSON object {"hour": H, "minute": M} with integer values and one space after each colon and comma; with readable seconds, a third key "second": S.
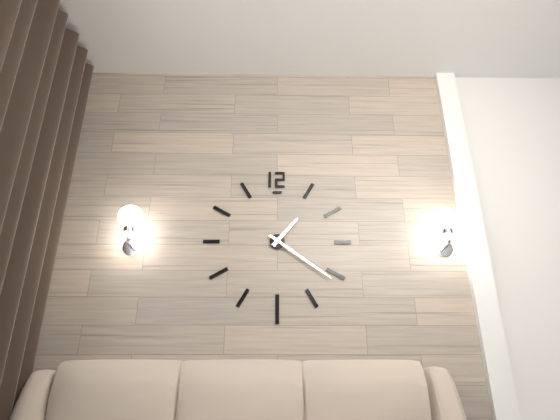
{"hour": 1, "minute": 21}
